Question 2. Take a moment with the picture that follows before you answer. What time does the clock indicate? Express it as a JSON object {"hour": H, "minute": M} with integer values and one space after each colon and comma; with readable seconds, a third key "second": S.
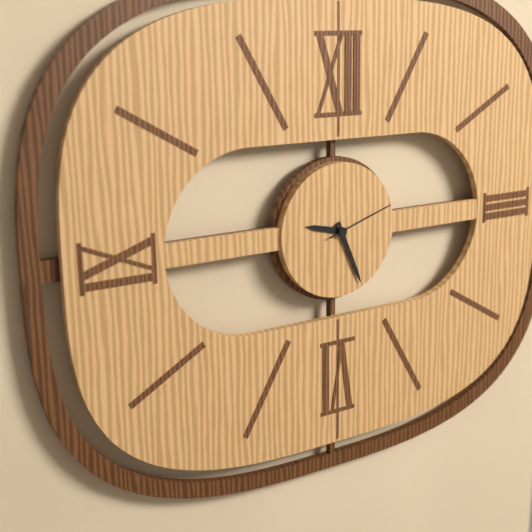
{"hour": 9, "minute": 26, "second": 12}
